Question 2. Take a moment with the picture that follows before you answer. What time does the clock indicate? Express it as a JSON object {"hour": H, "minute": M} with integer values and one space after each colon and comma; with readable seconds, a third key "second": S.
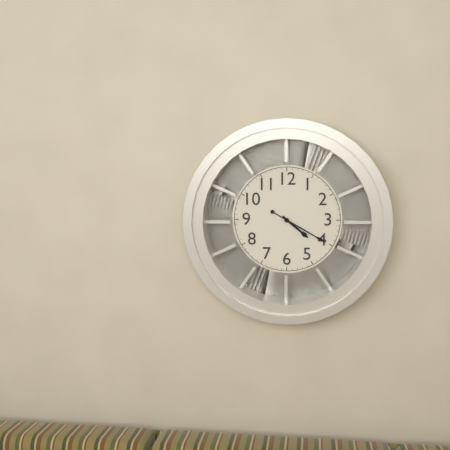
{"hour": 4, "minute": 20}
